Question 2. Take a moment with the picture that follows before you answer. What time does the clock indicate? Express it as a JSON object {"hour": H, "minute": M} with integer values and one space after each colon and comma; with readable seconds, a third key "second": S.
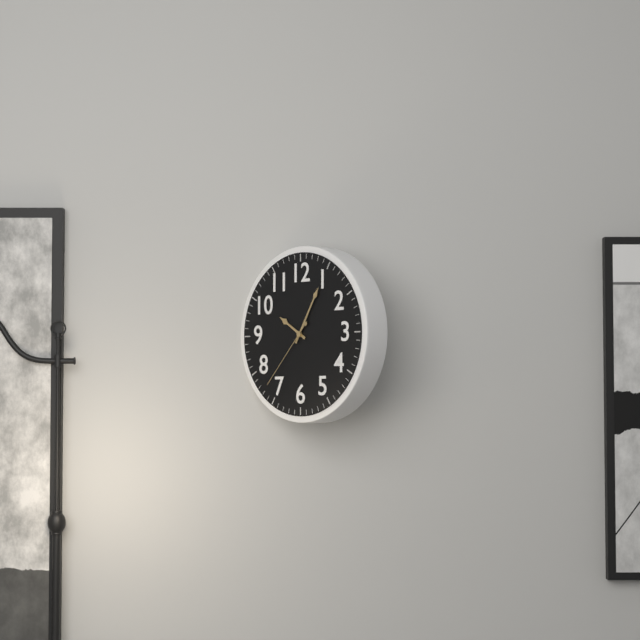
{"hour": 10, "minute": 5, "second": 37}
